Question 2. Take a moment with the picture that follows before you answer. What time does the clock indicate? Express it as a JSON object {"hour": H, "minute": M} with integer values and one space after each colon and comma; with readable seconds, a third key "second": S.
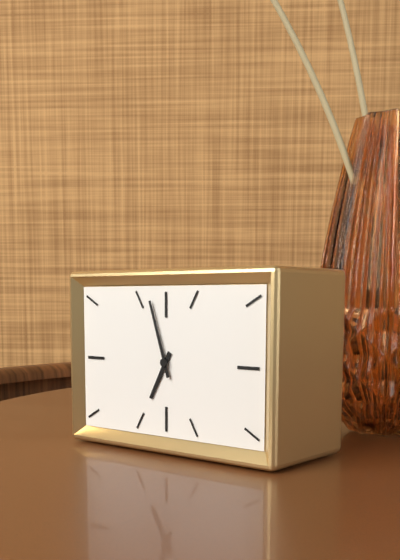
{"hour": 6, "minute": 57}
